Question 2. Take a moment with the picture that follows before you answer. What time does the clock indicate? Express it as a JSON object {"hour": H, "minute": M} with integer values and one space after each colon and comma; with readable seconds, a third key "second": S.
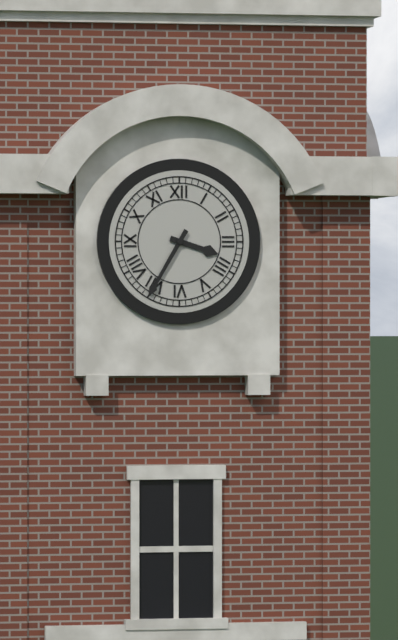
{"hour": 3, "minute": 35}
